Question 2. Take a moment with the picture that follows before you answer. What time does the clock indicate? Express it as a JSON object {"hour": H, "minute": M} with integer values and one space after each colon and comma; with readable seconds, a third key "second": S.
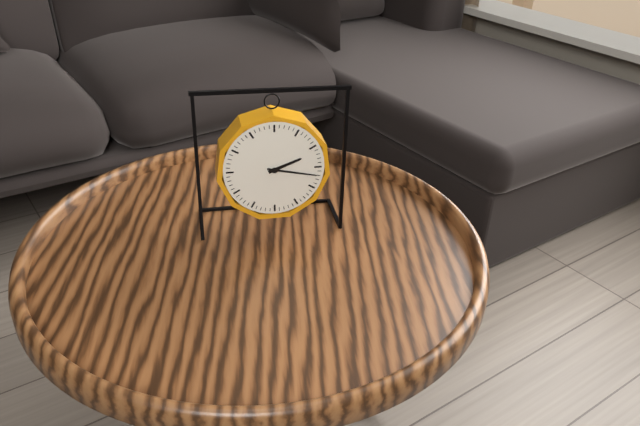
{"hour": 2, "minute": 17}
